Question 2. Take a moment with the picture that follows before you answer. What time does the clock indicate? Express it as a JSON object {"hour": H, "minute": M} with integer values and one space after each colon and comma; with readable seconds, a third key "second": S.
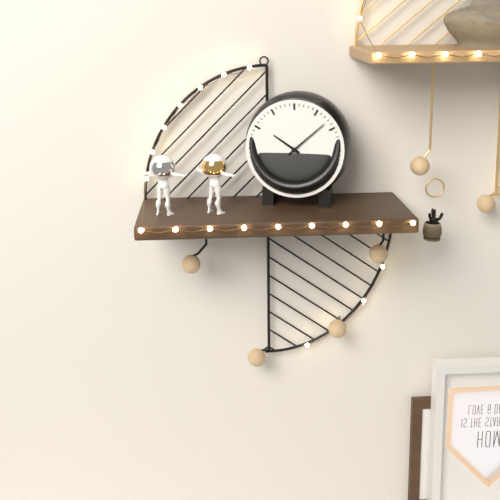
{"hour": 10, "minute": 8}
